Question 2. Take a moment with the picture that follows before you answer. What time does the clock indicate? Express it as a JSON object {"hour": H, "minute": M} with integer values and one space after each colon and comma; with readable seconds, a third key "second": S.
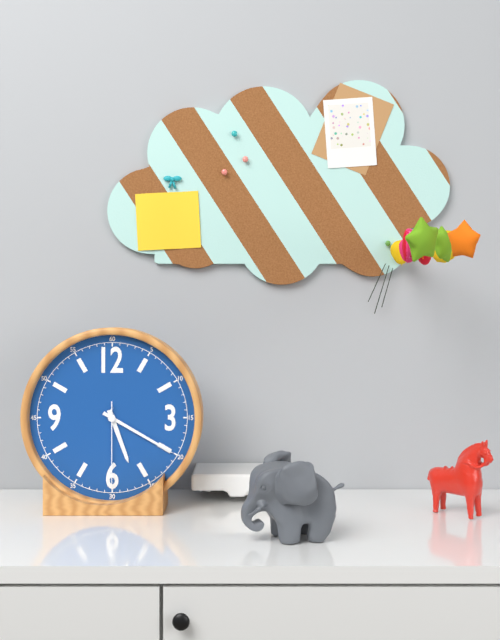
{"hour": 5, "minute": 20, "second": 30}
